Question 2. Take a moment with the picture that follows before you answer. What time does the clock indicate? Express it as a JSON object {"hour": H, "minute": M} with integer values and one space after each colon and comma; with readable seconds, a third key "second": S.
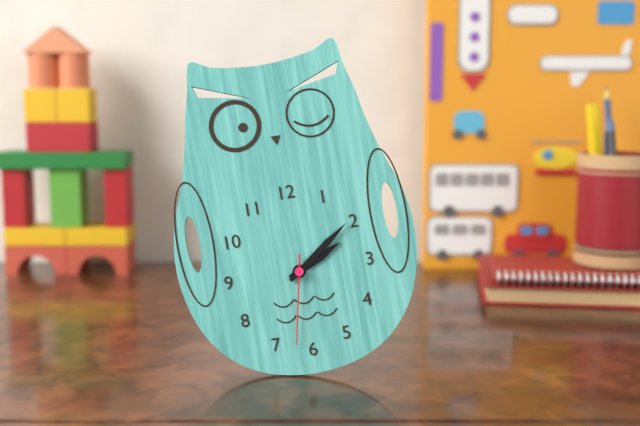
{"hour": 2, "minute": 9, "second": 32}
